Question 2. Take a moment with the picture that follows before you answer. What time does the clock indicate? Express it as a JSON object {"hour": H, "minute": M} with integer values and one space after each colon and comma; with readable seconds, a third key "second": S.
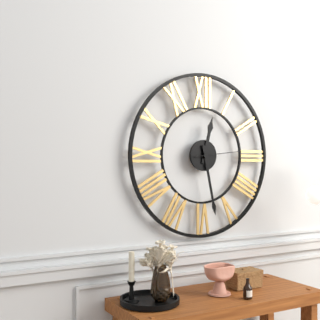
{"hour": 12, "minute": 28}
